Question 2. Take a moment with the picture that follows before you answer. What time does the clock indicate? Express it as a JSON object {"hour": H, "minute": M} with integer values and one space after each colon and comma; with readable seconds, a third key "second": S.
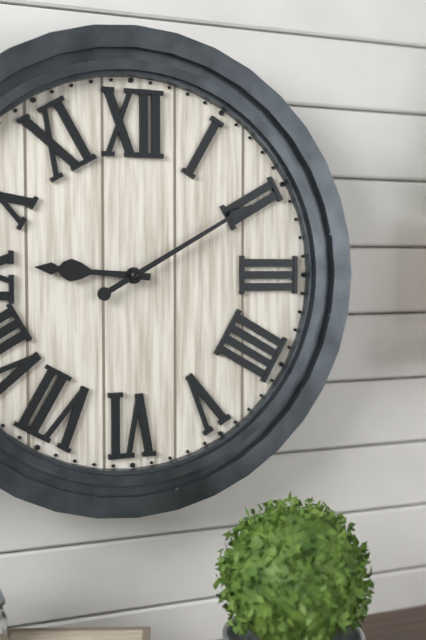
{"hour": 9, "minute": 10}
